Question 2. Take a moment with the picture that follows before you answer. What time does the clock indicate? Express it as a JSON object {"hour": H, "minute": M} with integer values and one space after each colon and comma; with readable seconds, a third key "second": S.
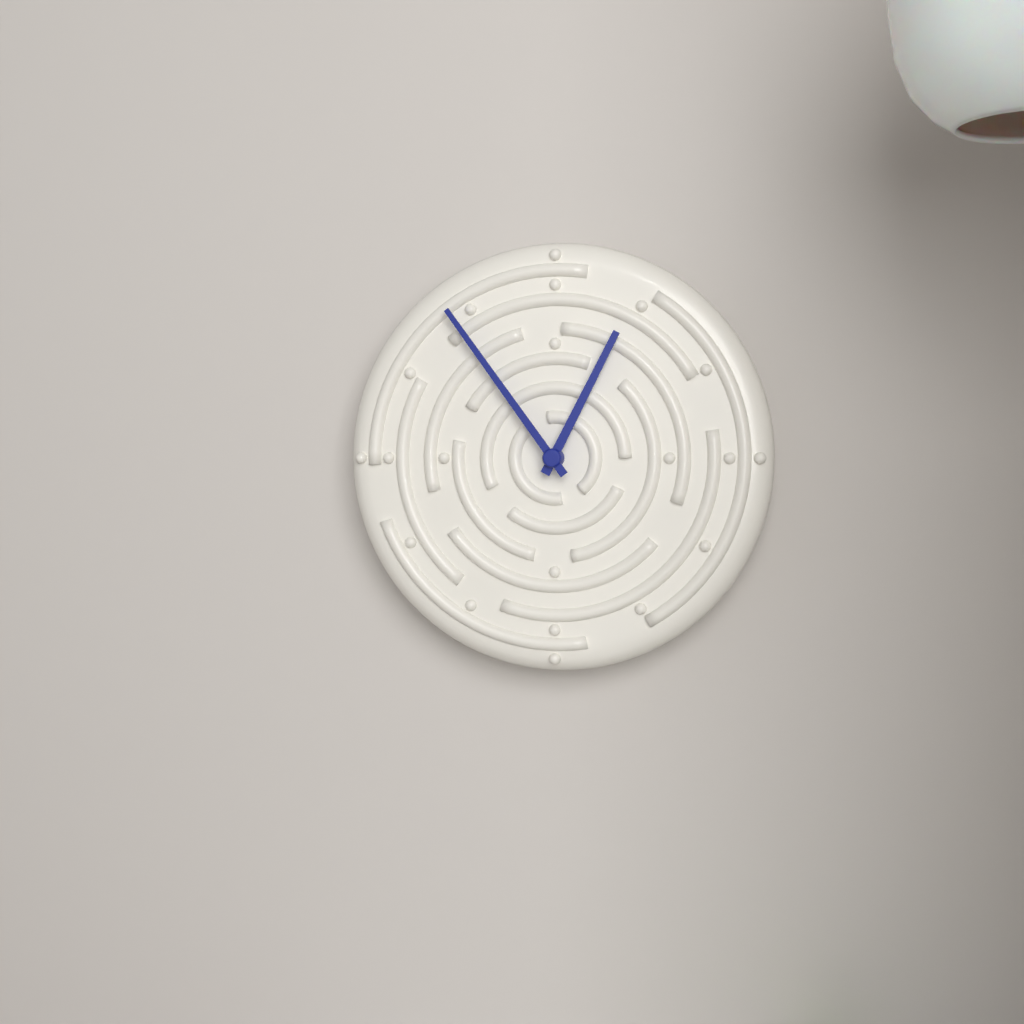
{"hour": 12, "minute": 54}
